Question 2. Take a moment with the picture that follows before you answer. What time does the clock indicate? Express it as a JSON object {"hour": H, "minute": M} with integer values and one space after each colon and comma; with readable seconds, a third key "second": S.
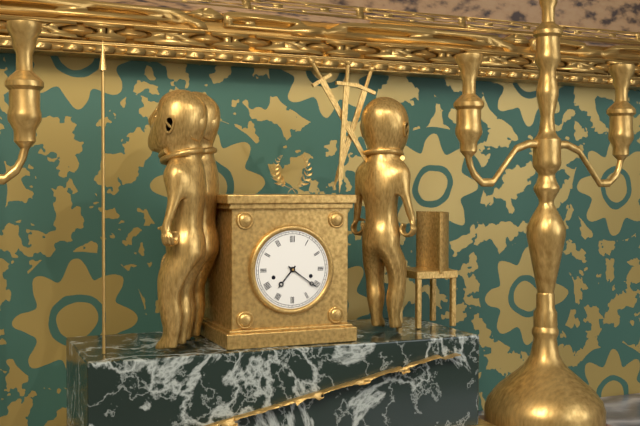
{"hour": 7, "minute": 21}
